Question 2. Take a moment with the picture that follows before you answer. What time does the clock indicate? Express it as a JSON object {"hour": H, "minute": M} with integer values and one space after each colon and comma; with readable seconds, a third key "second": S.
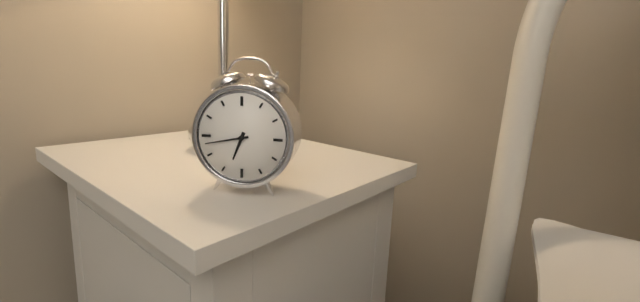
{"hour": 6, "minute": 43}
